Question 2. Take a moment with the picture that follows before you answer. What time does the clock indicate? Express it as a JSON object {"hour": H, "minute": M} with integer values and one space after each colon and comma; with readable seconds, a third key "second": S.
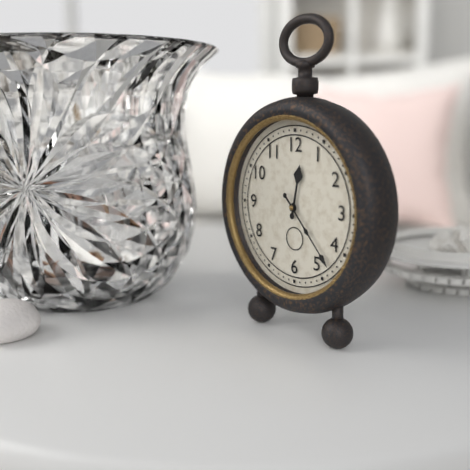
{"hour": 12, "minute": 23}
